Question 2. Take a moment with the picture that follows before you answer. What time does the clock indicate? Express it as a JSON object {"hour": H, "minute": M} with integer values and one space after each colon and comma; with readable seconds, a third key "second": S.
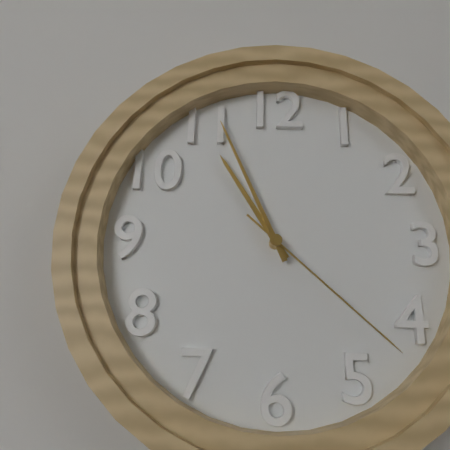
{"hour": 10, "minute": 56, "second": 22}
